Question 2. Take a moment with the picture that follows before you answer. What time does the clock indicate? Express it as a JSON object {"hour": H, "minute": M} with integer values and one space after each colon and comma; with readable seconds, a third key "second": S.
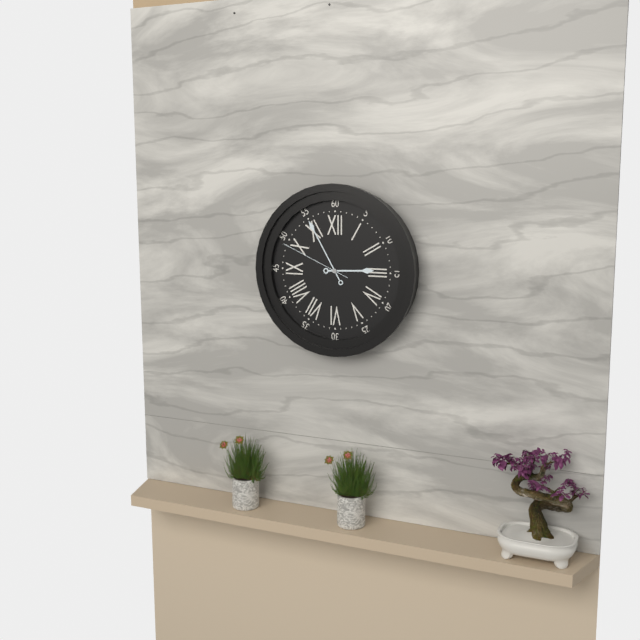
{"hour": 2, "minute": 55, "second": 49}
